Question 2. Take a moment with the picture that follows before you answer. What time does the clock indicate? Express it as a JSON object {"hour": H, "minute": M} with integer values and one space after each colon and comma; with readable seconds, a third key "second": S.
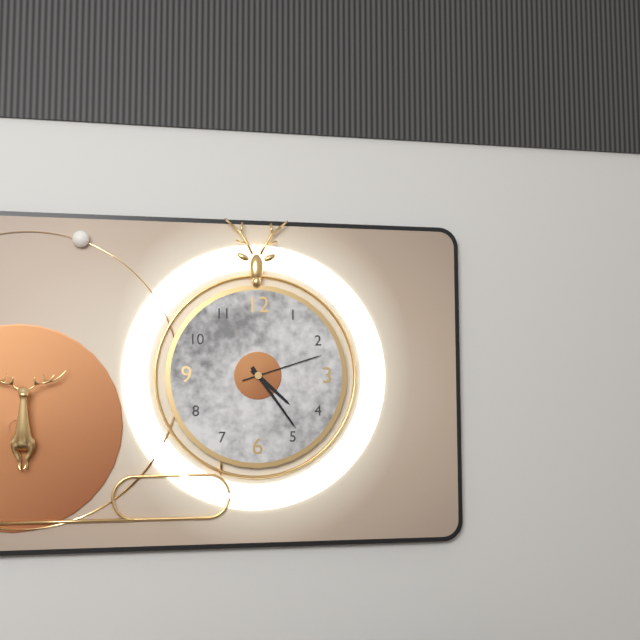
{"hour": 4, "minute": 24, "second": 12}
